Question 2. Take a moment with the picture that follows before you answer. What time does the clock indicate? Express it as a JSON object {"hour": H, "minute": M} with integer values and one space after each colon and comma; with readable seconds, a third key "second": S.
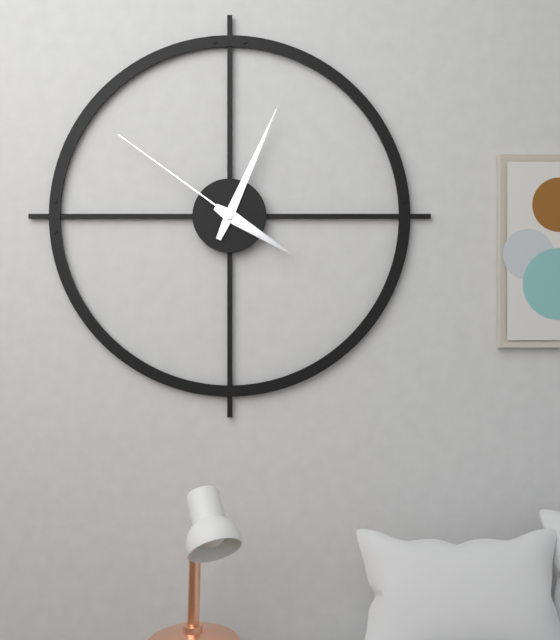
{"hour": 4, "minute": 4, "second": 51}
